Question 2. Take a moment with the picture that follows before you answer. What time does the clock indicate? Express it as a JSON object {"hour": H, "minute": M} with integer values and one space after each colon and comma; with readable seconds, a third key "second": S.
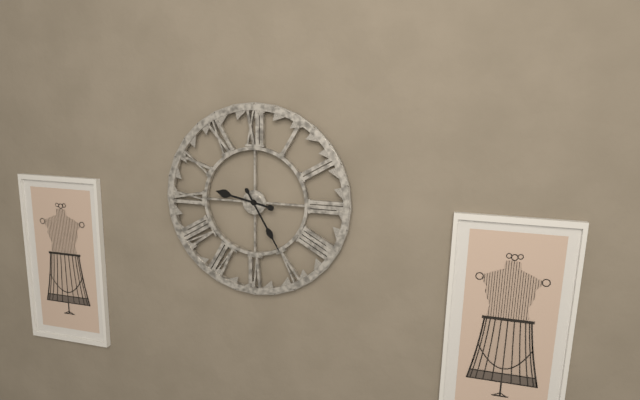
{"hour": 9, "minute": 25}
